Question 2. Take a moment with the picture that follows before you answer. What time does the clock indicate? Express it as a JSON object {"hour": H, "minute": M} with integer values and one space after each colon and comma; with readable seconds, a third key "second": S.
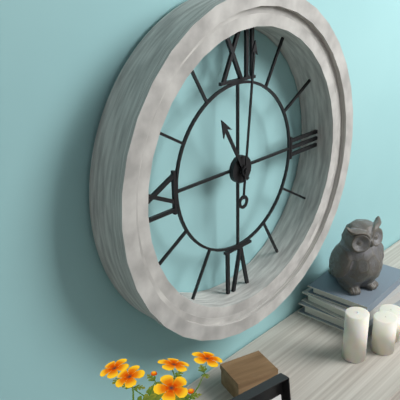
{"hour": 11, "minute": 1}
